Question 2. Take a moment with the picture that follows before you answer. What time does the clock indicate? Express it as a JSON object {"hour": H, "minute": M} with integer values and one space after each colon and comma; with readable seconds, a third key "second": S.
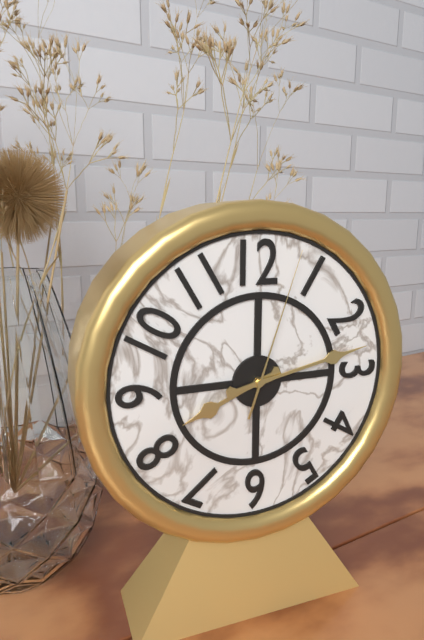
{"hour": 8, "minute": 13, "second": 3}
